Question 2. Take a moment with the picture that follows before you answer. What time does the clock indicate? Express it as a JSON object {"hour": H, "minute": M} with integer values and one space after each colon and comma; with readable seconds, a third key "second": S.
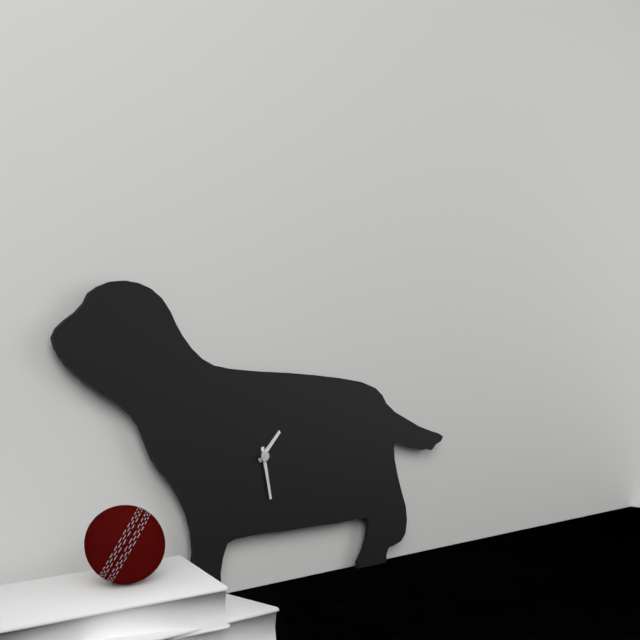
{"hour": 1, "minute": 28}
